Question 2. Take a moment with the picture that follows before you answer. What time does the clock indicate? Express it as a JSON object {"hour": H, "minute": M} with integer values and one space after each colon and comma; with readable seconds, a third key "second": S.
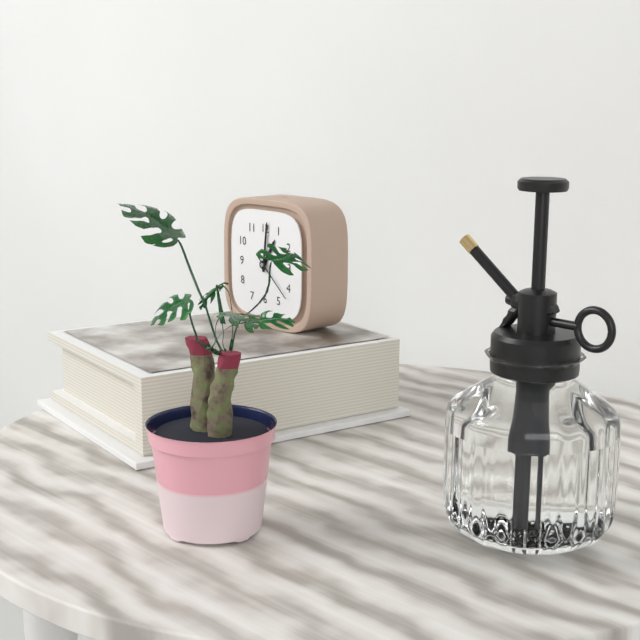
{"hour": 1, "minute": 1, "second": 22}
